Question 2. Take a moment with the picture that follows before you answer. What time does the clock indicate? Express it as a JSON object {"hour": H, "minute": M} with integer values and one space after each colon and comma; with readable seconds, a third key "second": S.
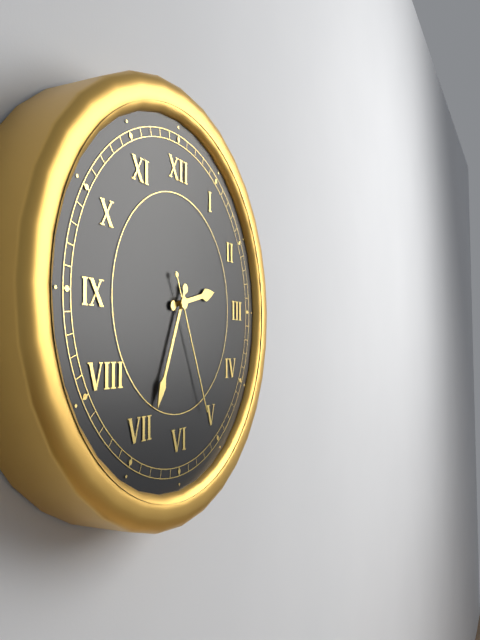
{"hour": 2, "minute": 34, "second": 26}
